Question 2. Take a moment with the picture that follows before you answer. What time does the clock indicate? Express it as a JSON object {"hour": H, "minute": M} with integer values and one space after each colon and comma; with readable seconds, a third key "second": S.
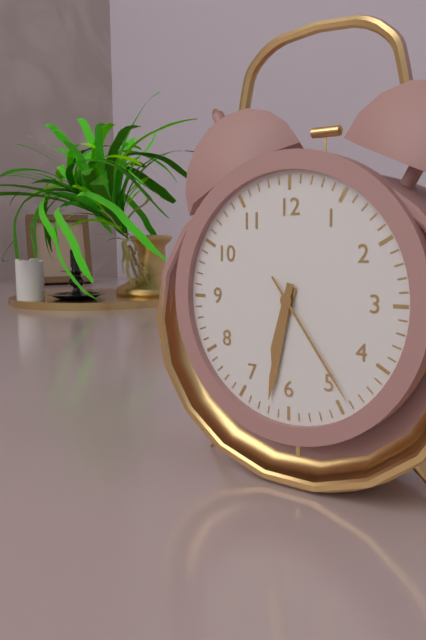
{"hour": 6, "minute": 32, "second": 24}
